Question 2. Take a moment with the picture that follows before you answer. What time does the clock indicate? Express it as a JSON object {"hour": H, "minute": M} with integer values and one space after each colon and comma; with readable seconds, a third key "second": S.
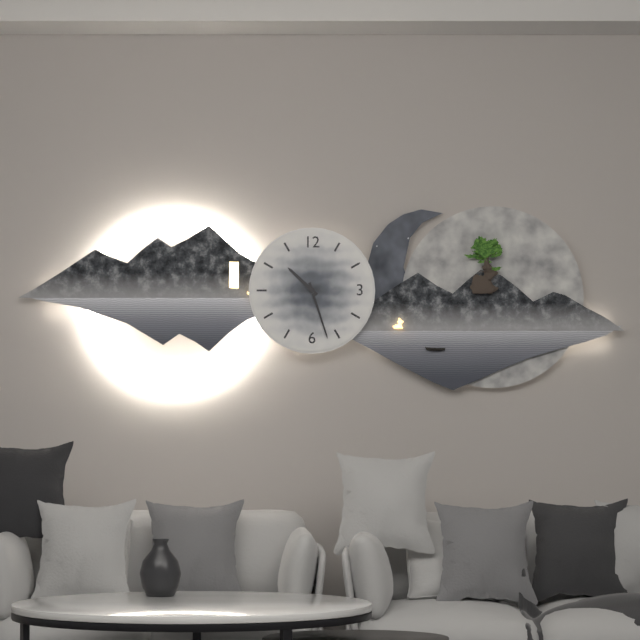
{"hour": 10, "minute": 27}
